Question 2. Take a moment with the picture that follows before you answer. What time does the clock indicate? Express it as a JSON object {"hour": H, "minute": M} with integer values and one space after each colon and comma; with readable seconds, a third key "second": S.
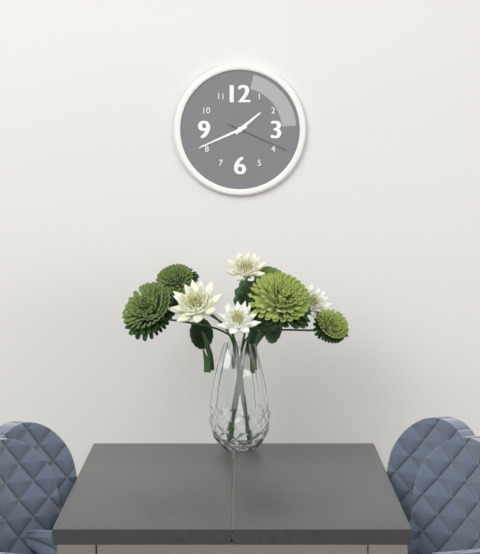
{"hour": 1, "minute": 41, "second": 19}
